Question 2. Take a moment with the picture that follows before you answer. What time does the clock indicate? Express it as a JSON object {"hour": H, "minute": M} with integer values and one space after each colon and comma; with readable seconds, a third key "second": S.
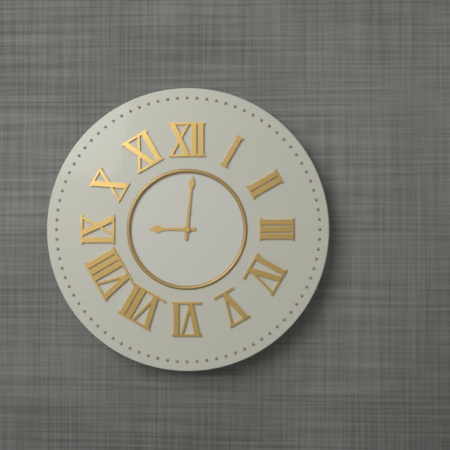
{"hour": 9, "minute": 1}
